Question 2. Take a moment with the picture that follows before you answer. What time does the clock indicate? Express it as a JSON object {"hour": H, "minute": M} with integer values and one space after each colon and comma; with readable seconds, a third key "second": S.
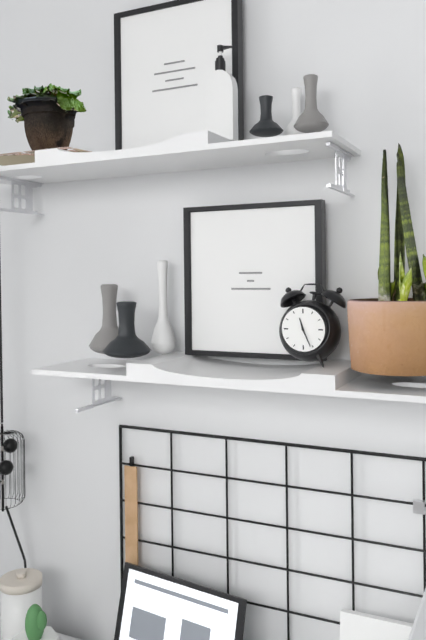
{"hour": 11, "minute": 26}
